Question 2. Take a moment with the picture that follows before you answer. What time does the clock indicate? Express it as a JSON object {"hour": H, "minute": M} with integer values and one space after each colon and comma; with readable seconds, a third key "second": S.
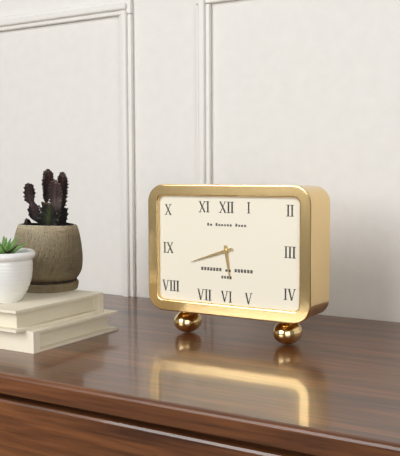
{"hour": 5, "minute": 42}
